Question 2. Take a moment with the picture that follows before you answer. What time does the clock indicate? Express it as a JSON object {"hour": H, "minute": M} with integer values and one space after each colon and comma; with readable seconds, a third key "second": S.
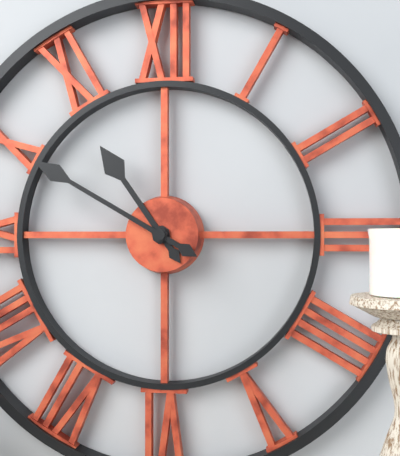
{"hour": 10, "minute": 50}
